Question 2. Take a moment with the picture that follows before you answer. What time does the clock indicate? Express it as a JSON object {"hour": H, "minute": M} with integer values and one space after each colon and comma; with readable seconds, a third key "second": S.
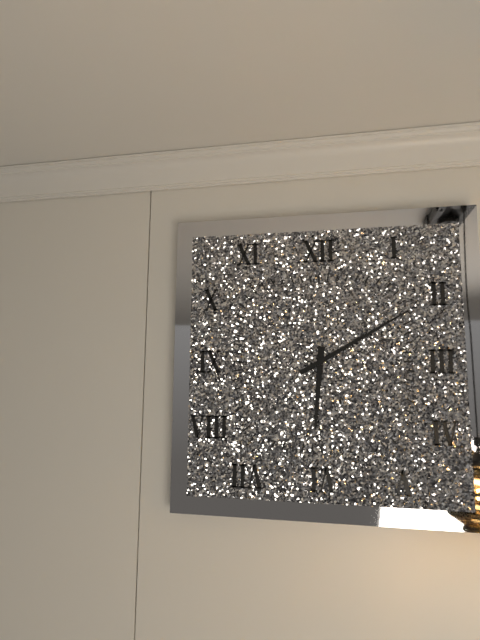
{"hour": 6, "minute": 10}
